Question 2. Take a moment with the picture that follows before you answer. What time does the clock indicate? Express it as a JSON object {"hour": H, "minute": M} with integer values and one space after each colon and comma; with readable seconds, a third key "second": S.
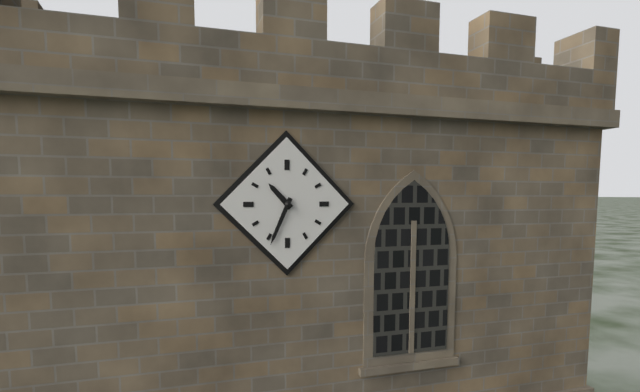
{"hour": 10, "minute": 34}
